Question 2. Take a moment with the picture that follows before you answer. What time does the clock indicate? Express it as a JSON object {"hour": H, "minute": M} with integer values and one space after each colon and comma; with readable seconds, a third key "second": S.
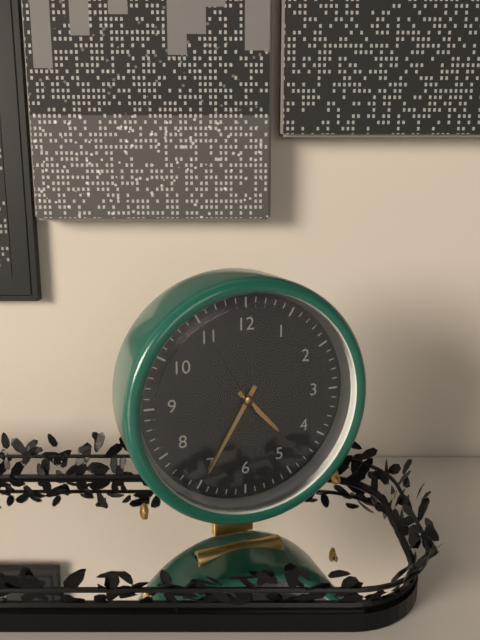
{"hour": 4, "minute": 35, "second": 55}
